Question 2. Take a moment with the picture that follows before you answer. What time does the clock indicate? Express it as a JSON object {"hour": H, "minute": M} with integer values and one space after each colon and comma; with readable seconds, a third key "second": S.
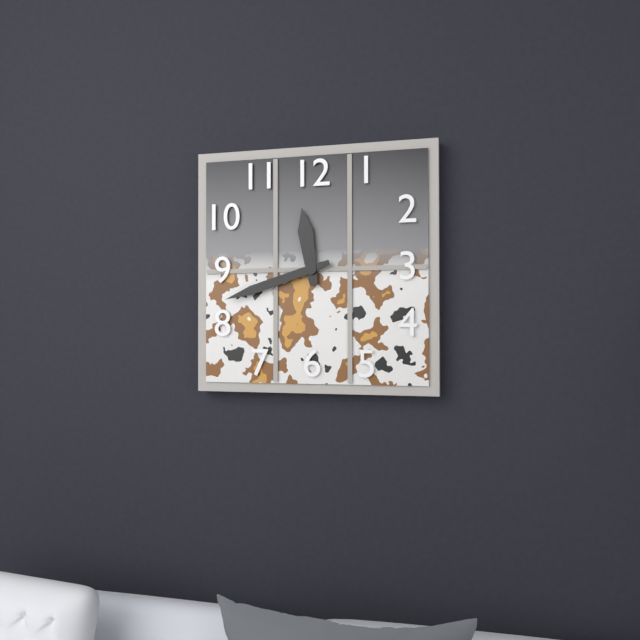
{"hour": 11, "minute": 42}
